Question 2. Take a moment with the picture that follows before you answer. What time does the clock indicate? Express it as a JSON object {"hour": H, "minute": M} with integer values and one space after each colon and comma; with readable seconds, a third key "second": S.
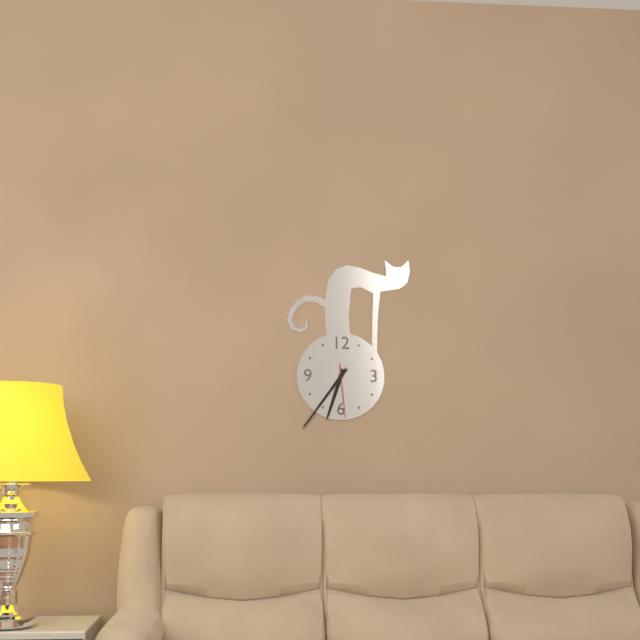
{"hour": 6, "minute": 36, "second": 29}
